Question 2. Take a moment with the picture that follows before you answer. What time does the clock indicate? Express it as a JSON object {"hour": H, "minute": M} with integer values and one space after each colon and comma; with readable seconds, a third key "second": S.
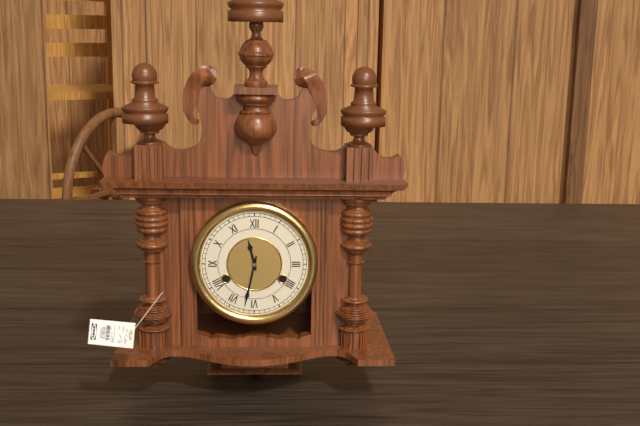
{"hour": 11, "minute": 32}
